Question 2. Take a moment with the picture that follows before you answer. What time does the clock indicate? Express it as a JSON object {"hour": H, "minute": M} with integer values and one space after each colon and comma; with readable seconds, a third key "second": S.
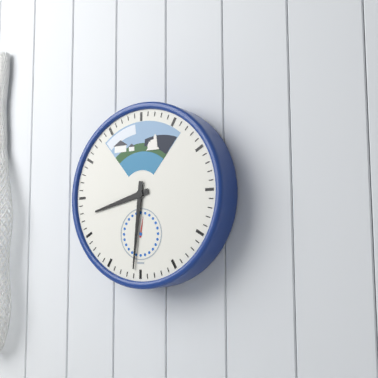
{"hour": 8, "minute": 31}
